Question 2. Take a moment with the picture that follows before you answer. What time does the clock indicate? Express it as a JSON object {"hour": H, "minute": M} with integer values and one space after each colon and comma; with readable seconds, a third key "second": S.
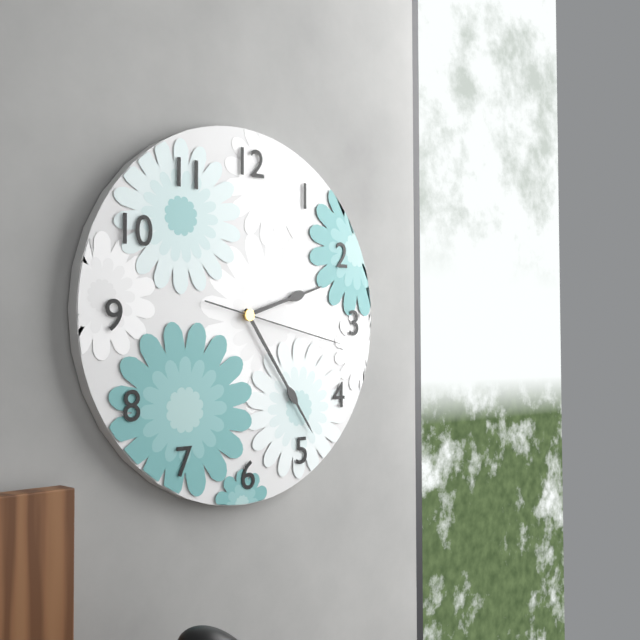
{"hour": 2, "minute": 24, "second": 17}
